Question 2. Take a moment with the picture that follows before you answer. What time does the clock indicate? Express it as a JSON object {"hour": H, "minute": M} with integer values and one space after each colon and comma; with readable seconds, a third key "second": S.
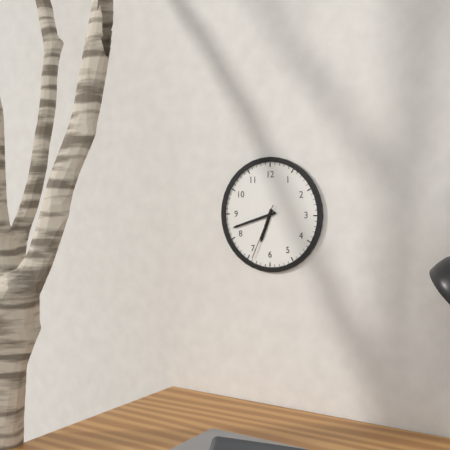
{"hour": 6, "minute": 42, "second": 34}
